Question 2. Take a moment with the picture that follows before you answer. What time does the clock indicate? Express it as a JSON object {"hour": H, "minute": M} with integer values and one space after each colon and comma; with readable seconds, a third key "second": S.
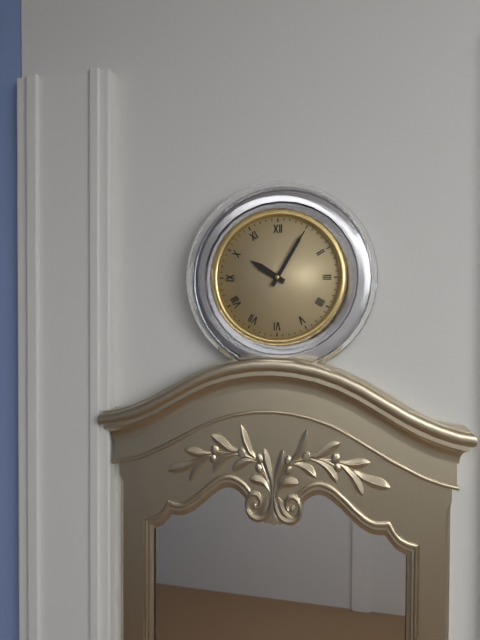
{"hour": 10, "minute": 5}
